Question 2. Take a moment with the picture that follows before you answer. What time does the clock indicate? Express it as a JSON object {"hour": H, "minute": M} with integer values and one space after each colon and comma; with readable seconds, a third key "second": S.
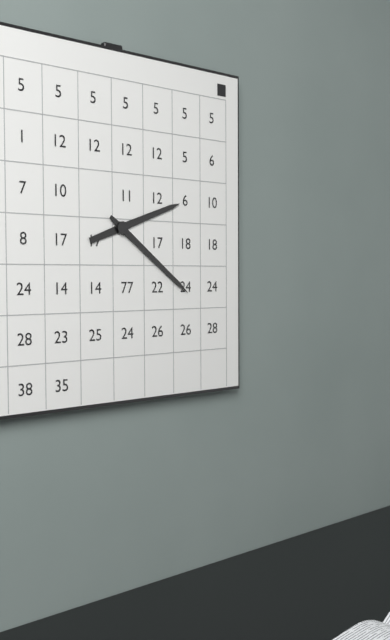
{"hour": 2, "minute": 21}
